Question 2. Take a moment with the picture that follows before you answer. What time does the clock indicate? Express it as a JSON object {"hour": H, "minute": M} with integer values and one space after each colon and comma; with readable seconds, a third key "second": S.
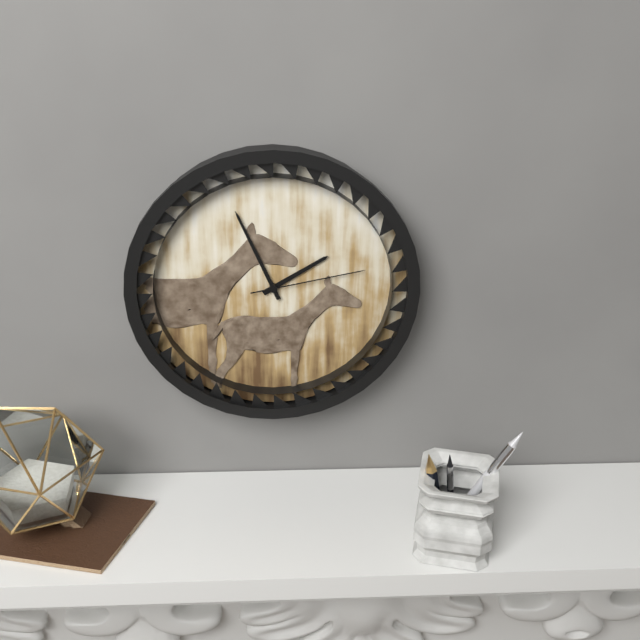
{"hour": 1, "minute": 56, "second": 13}
